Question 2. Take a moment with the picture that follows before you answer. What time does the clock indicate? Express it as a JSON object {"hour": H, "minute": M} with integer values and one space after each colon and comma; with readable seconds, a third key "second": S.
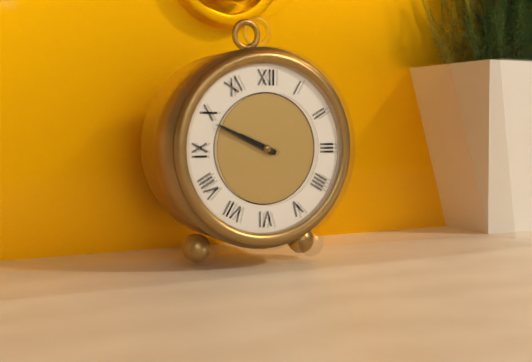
{"hour": 9, "minute": 49}
